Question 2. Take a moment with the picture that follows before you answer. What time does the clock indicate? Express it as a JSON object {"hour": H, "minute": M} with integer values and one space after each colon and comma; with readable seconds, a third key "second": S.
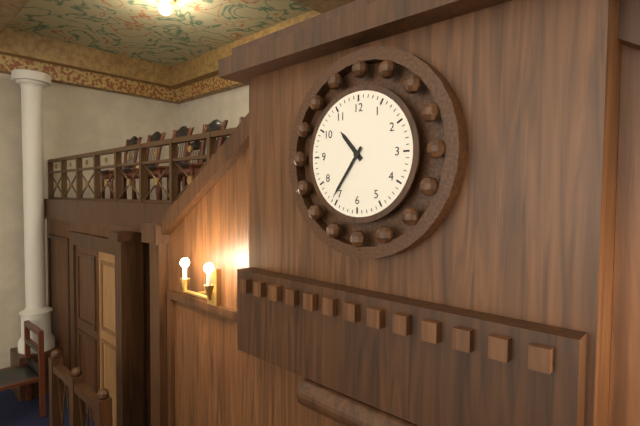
{"hour": 10, "minute": 36}
